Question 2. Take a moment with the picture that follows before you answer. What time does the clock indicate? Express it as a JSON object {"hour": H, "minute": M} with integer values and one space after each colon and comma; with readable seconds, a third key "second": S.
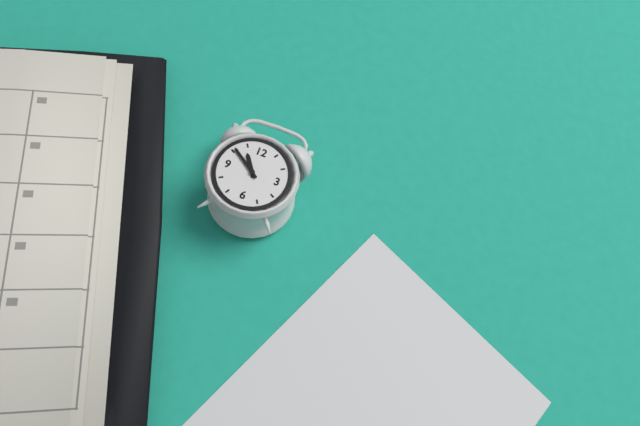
{"hour": 10, "minute": 51}
